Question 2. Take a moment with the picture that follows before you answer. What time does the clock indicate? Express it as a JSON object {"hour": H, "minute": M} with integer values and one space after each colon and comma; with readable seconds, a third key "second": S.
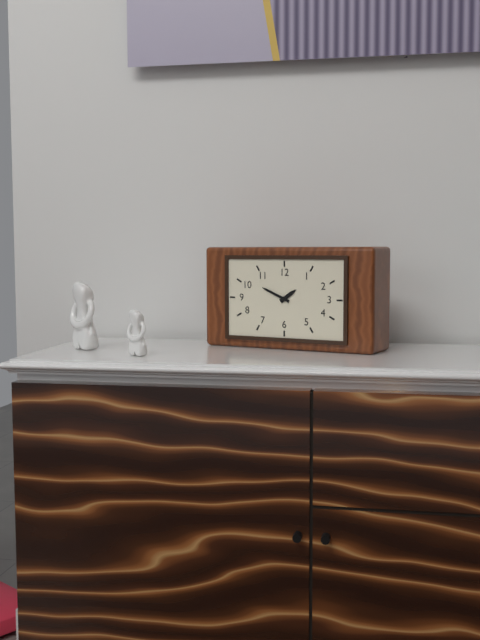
{"hour": 1, "minute": 49}
